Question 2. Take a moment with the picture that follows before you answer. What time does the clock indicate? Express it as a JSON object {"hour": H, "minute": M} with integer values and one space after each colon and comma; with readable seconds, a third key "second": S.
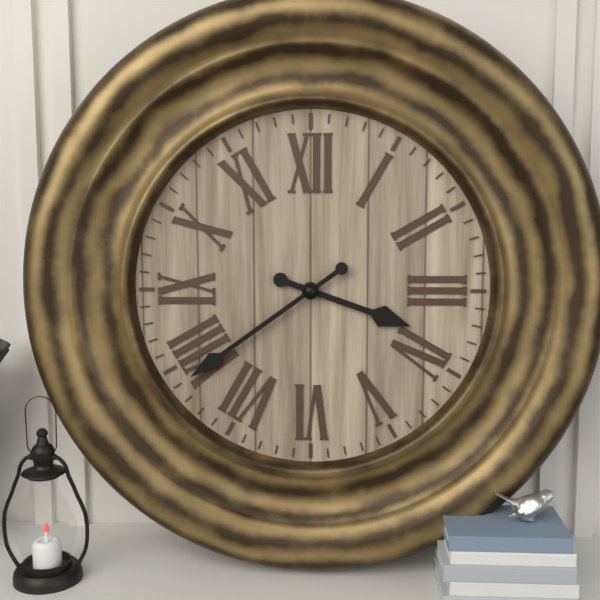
{"hour": 3, "minute": 39}
